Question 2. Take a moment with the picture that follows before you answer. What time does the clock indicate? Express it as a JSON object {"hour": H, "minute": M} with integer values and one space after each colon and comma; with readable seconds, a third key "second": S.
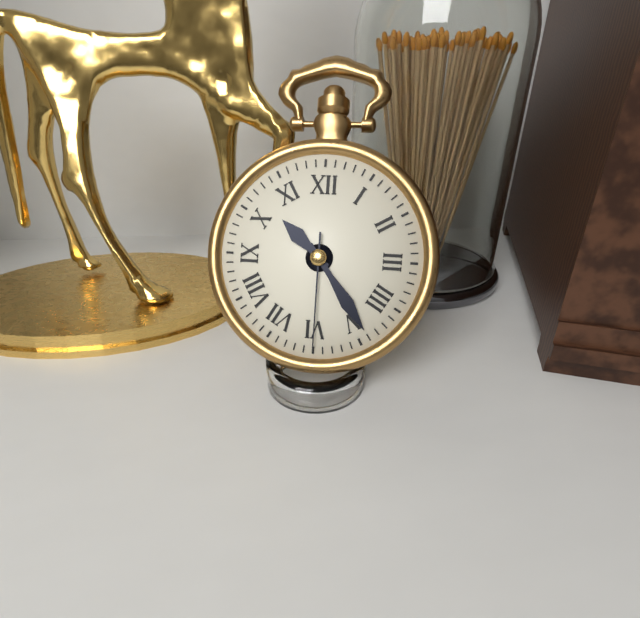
{"hour": 10, "minute": 24, "second": 30}
